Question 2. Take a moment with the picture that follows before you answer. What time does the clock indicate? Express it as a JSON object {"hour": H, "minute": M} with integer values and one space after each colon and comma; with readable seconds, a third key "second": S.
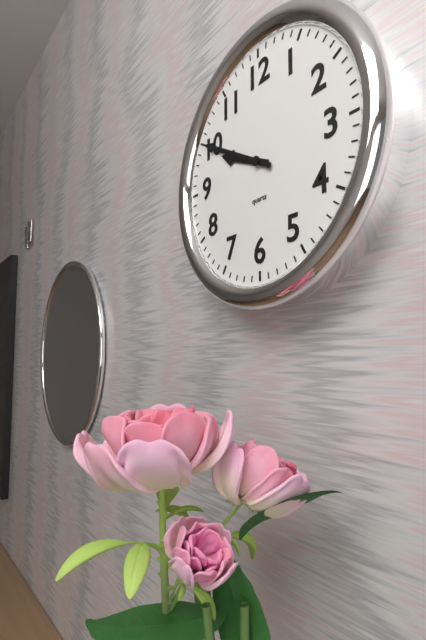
{"hour": 9, "minute": 50}
